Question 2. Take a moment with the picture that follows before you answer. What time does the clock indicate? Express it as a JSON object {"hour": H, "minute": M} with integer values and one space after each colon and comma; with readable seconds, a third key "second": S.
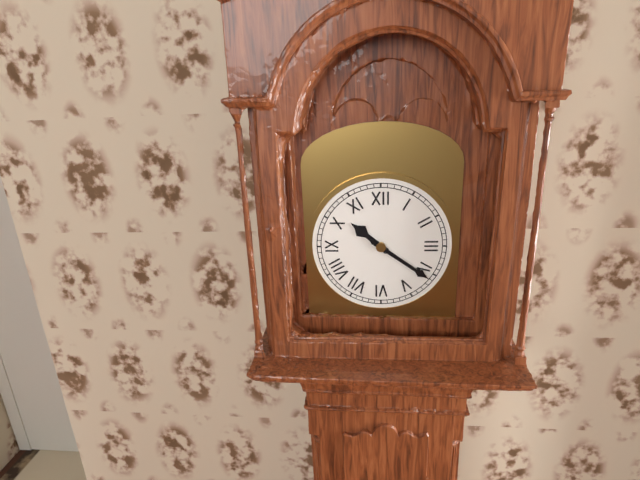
{"hour": 10, "minute": 21}
